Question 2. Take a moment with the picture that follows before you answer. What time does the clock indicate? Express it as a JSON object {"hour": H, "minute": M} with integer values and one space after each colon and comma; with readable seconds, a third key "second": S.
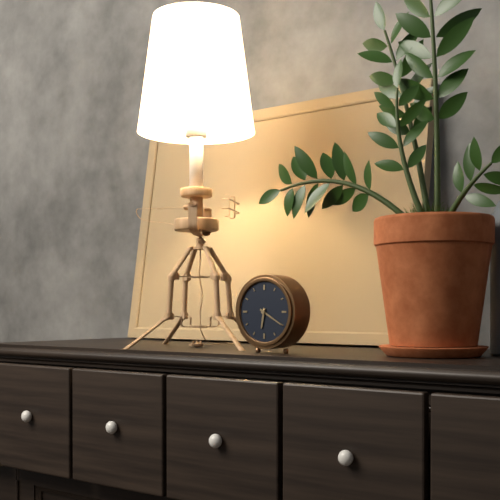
{"hour": 6, "minute": 20}
